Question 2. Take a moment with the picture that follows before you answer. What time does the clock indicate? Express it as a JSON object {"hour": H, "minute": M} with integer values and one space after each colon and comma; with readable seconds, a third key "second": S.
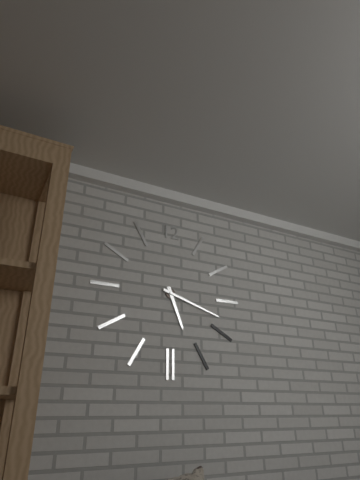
{"hour": 5, "minute": 18}
